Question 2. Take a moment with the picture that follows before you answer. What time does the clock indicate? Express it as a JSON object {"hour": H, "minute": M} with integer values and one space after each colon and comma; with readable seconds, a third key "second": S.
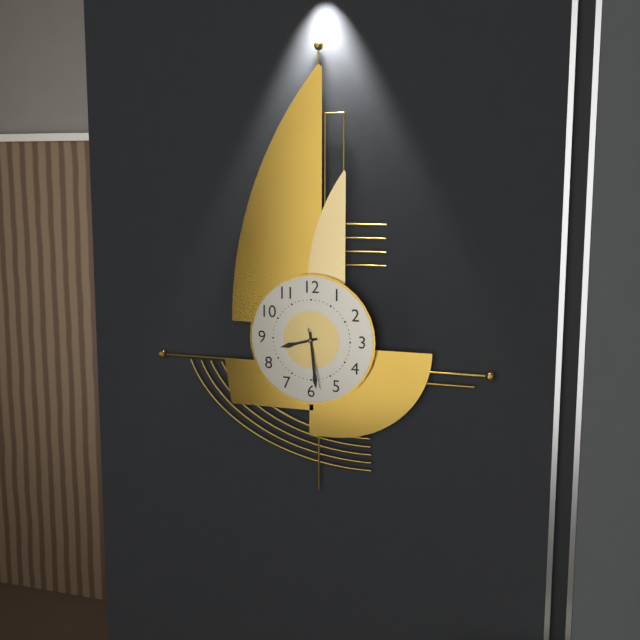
{"hour": 8, "minute": 29, "second": 28}
